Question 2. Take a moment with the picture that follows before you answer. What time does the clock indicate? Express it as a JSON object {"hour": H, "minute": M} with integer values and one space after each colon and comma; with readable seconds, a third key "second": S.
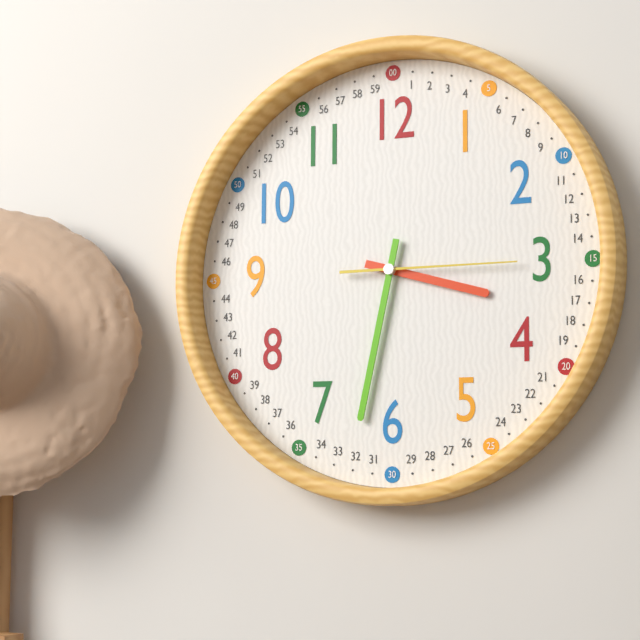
{"hour": 3, "minute": 32, "second": 15}
